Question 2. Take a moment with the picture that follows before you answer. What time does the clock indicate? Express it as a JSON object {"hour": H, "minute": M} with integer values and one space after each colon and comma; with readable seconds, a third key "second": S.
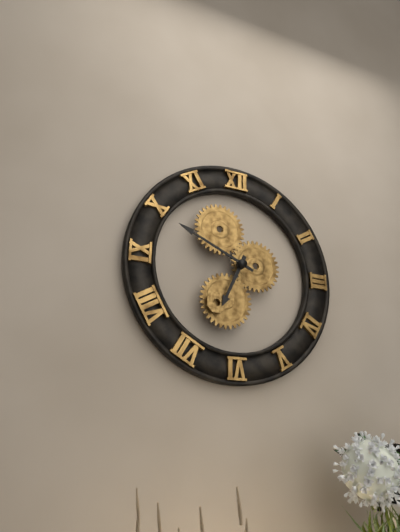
{"hour": 6, "minute": 49}
